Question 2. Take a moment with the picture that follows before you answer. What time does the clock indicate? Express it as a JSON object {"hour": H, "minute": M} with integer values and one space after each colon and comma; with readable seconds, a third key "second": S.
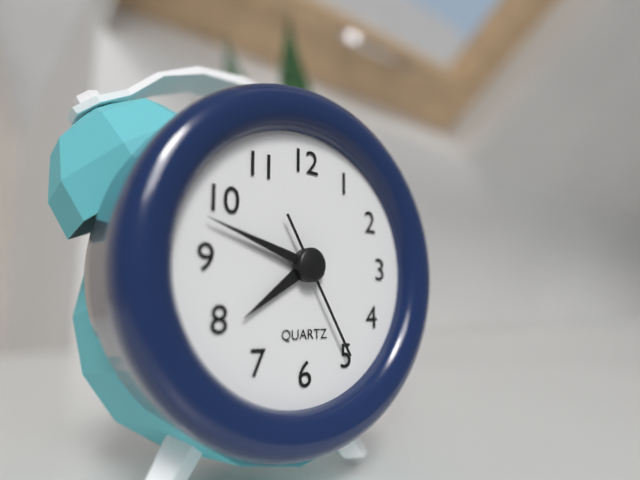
{"hour": 7, "minute": 48, "second": 25}
